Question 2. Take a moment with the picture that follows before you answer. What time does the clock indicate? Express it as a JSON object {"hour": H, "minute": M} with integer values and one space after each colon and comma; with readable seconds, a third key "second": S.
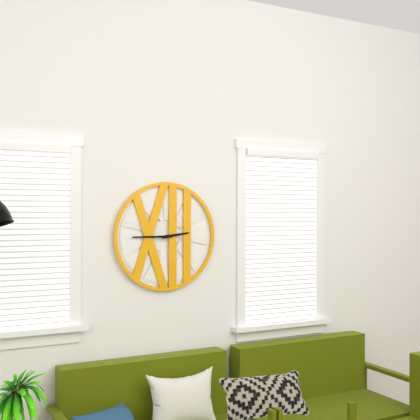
{"hour": 2, "minute": 45}
